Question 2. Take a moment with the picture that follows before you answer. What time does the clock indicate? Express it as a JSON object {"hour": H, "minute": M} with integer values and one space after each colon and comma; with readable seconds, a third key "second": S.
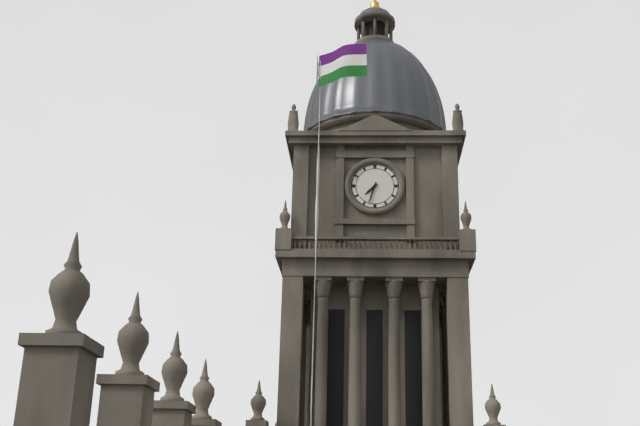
{"hour": 7, "minute": 33}
